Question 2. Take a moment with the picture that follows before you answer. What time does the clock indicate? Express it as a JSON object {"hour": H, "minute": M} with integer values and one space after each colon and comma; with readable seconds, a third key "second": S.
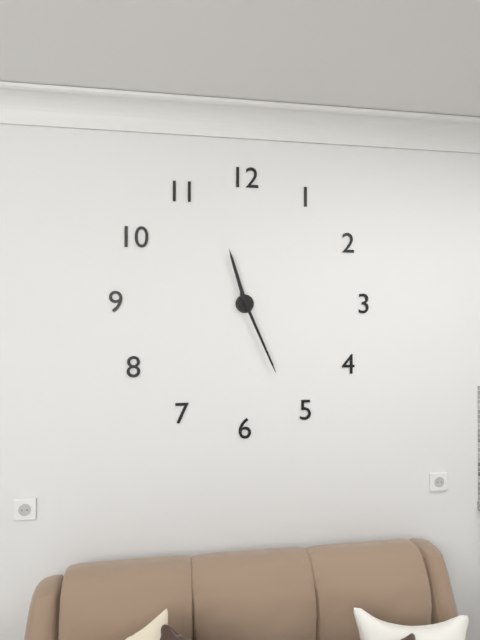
{"hour": 11, "minute": 26}
